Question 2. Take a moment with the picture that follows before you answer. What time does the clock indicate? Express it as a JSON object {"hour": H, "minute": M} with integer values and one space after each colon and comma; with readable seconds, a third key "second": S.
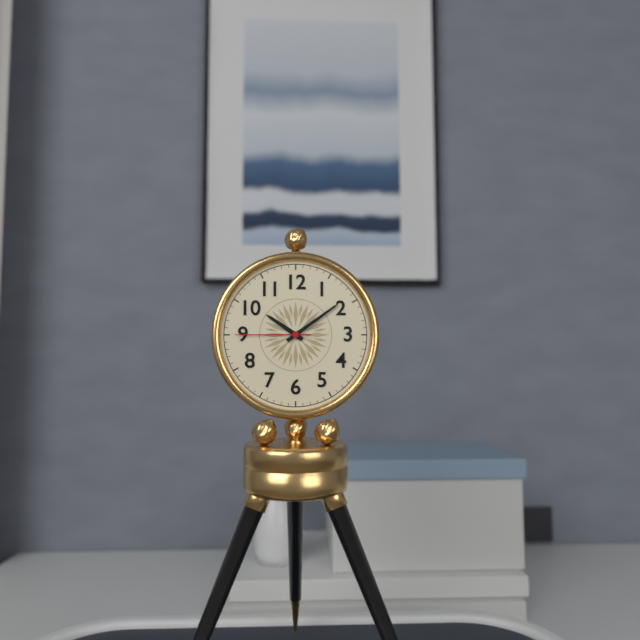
{"hour": 10, "minute": 9, "second": 45}
